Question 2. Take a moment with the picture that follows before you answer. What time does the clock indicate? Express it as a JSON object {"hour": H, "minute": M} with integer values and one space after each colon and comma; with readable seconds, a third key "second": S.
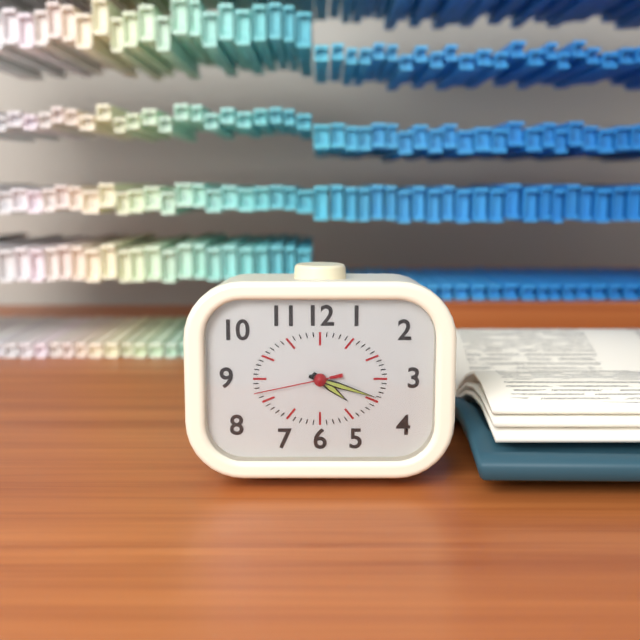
{"hour": 4, "minute": 18, "second": 43}
